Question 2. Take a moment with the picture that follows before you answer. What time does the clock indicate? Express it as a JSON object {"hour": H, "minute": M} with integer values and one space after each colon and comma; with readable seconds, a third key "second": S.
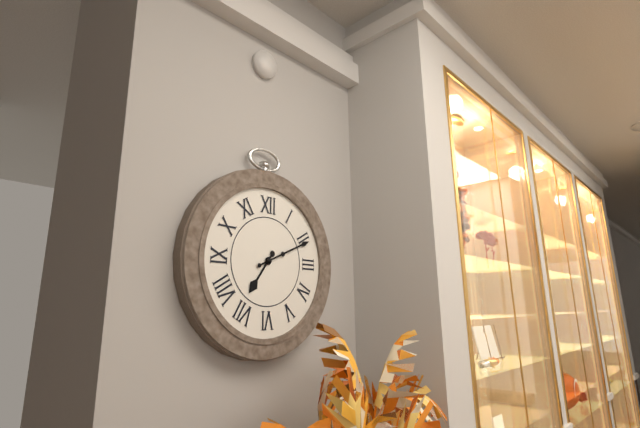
{"hour": 7, "minute": 11}
